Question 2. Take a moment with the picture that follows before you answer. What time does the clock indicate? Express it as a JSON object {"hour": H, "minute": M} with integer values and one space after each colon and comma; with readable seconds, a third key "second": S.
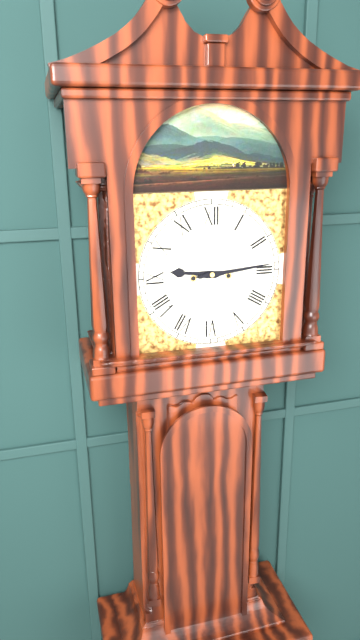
{"hour": 9, "minute": 14}
